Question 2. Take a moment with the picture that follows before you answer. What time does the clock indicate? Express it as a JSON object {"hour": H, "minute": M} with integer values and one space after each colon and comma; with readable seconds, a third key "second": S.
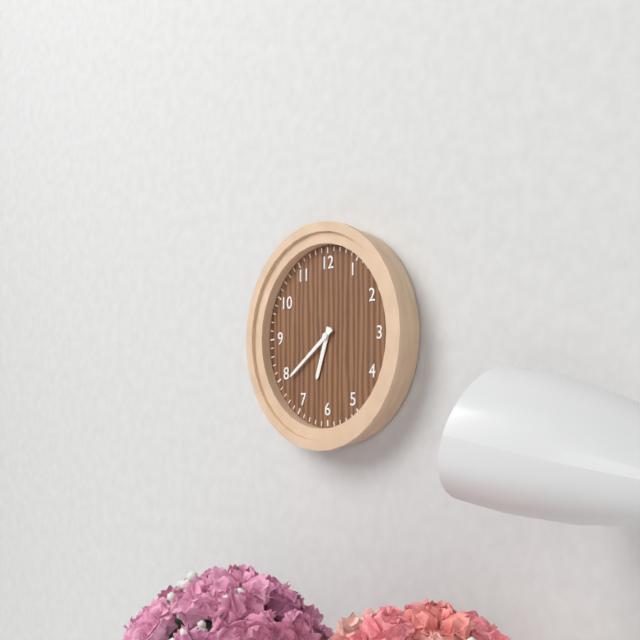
{"hour": 6, "minute": 39}
